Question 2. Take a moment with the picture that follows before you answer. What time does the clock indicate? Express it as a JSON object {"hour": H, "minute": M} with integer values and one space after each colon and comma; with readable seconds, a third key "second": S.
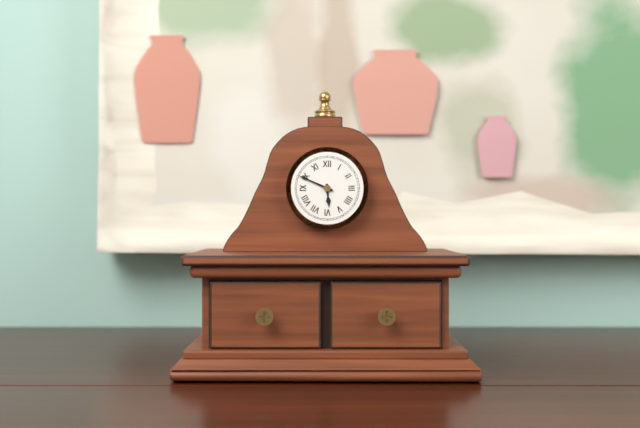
{"hour": 5, "minute": 49}
